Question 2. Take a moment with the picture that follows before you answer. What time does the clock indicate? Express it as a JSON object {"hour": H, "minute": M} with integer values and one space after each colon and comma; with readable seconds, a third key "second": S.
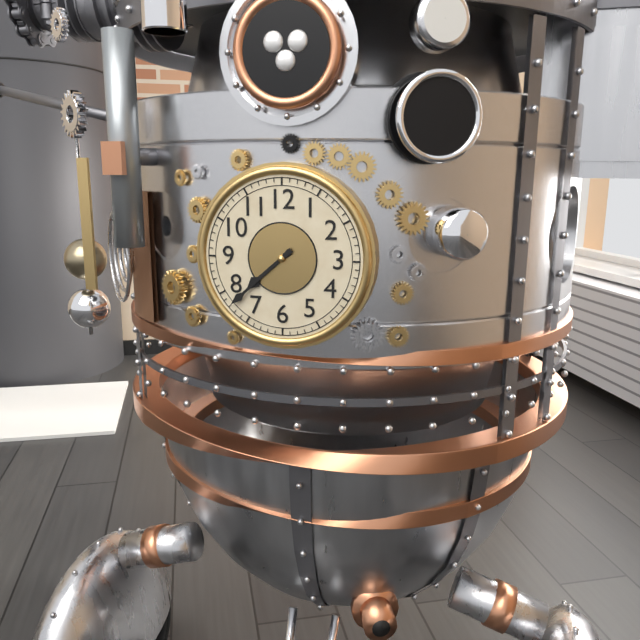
{"hour": 7, "minute": 38}
